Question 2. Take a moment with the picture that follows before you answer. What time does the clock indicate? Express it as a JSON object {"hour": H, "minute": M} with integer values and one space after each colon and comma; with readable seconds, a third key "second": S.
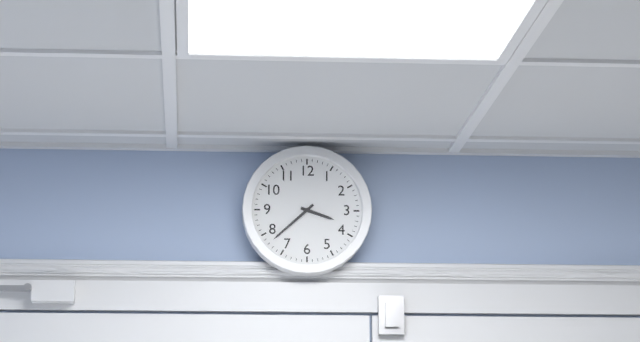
{"hour": 3, "minute": 38}
